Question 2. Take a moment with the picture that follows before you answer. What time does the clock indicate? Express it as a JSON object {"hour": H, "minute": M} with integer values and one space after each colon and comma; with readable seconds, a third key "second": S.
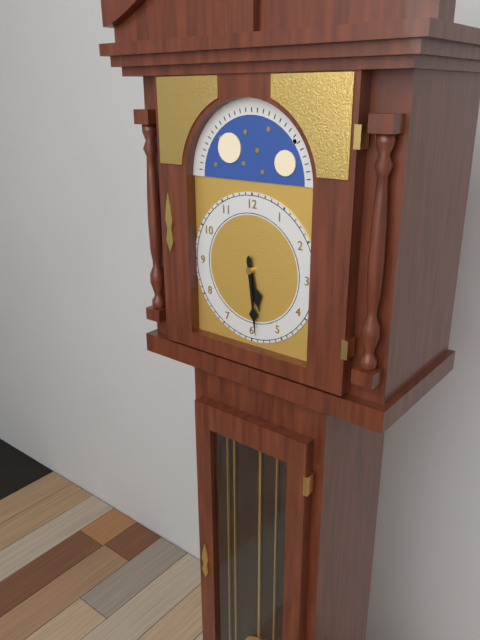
{"hour": 5, "minute": 29}
